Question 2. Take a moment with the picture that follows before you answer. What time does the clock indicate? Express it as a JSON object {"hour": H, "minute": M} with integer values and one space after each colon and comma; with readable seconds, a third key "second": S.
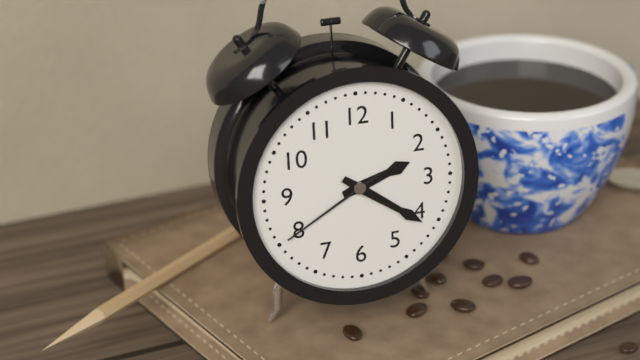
{"hour": 2, "minute": 21, "second": 40}
